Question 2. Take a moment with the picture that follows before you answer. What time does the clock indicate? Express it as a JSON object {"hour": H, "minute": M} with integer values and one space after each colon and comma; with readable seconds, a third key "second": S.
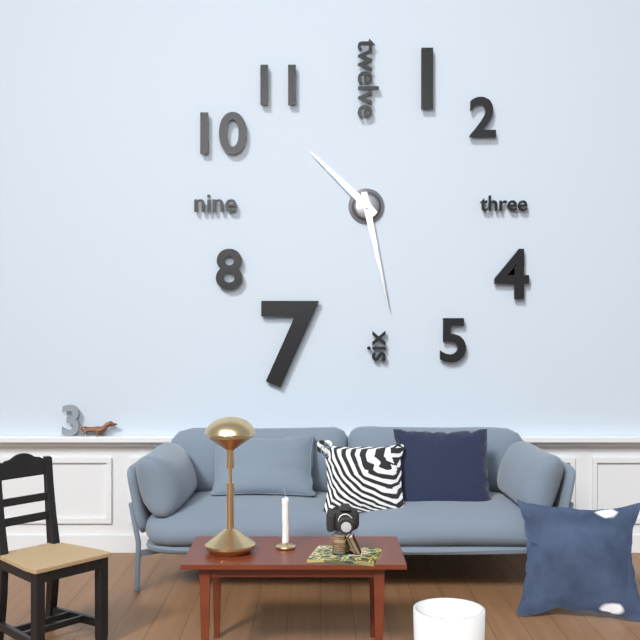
{"hour": 10, "minute": 28}
